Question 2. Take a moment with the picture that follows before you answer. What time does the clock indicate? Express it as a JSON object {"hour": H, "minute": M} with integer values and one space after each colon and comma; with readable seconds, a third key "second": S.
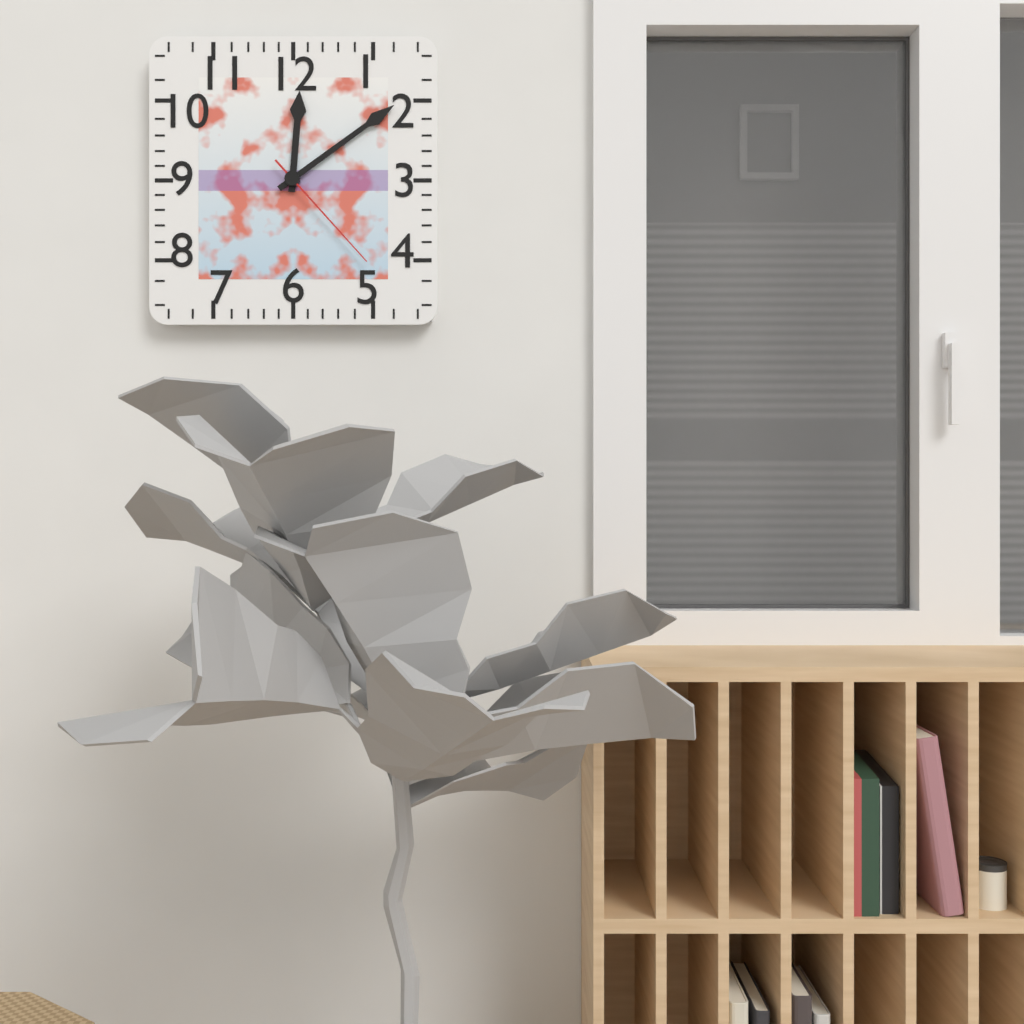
{"hour": 12, "minute": 9, "second": 23}
